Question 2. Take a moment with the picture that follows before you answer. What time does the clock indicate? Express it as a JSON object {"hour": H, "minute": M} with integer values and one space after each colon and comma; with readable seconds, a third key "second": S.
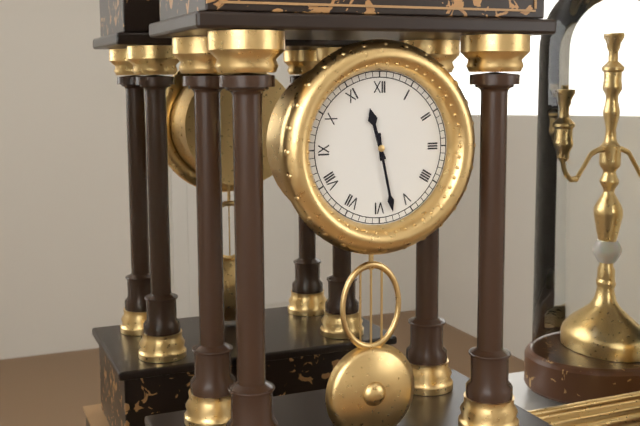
{"hour": 11, "minute": 28}
